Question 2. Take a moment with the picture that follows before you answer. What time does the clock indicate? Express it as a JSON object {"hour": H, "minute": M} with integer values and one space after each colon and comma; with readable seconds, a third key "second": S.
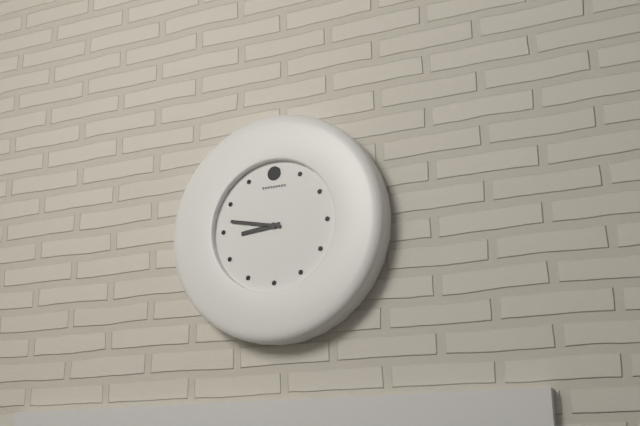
{"hour": 8, "minute": 47}
